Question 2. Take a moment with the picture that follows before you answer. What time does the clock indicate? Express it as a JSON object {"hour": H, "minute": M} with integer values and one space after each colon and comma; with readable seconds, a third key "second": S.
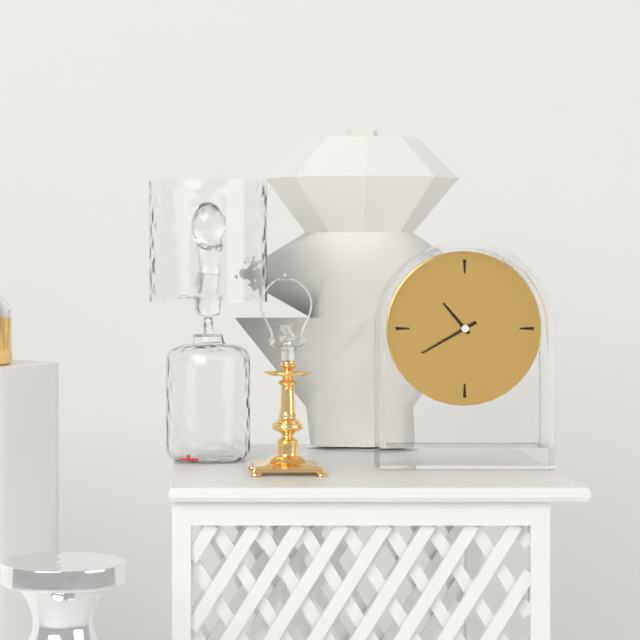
{"hour": 10, "minute": 40}
